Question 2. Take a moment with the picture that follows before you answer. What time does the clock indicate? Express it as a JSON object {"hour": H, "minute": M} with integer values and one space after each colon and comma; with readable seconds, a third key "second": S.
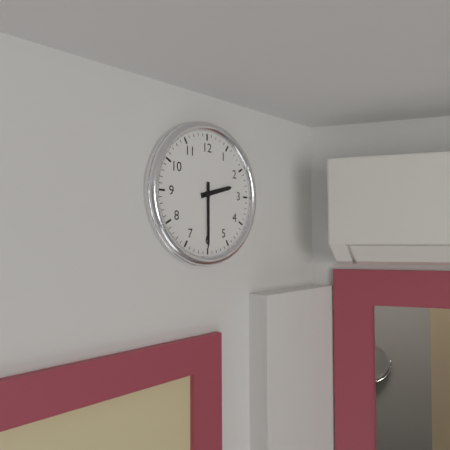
{"hour": 2, "minute": 30}
